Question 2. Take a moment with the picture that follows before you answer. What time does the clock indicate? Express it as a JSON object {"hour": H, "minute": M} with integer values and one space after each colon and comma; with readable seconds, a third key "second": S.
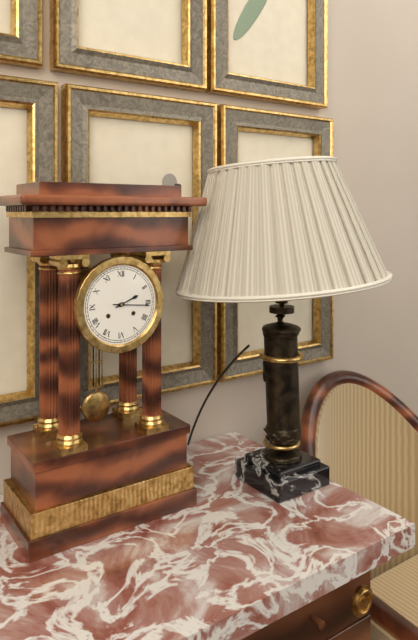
{"hour": 2, "minute": 16}
